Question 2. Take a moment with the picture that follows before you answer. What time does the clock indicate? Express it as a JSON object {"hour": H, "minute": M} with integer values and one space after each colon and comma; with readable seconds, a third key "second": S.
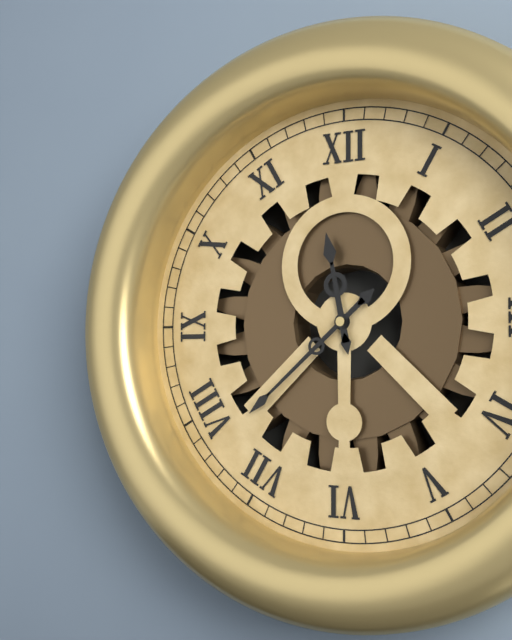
{"hour": 11, "minute": 38}
